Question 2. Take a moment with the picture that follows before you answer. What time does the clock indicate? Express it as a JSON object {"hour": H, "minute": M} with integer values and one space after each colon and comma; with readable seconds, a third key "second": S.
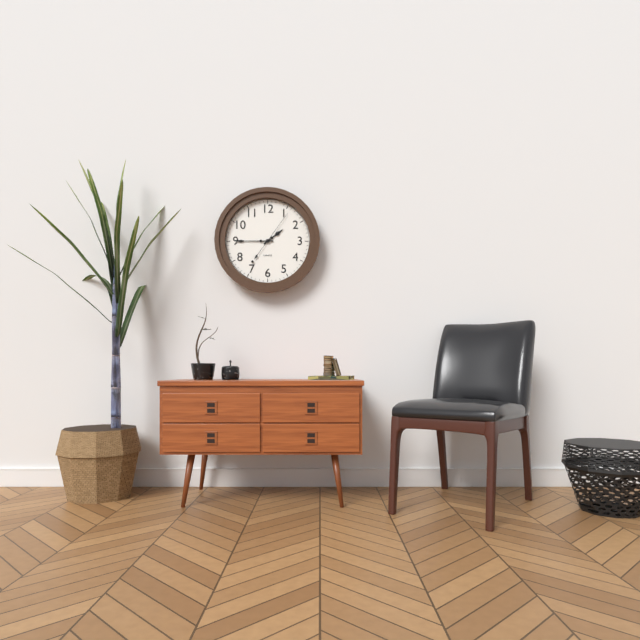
{"hour": 1, "minute": 45}
